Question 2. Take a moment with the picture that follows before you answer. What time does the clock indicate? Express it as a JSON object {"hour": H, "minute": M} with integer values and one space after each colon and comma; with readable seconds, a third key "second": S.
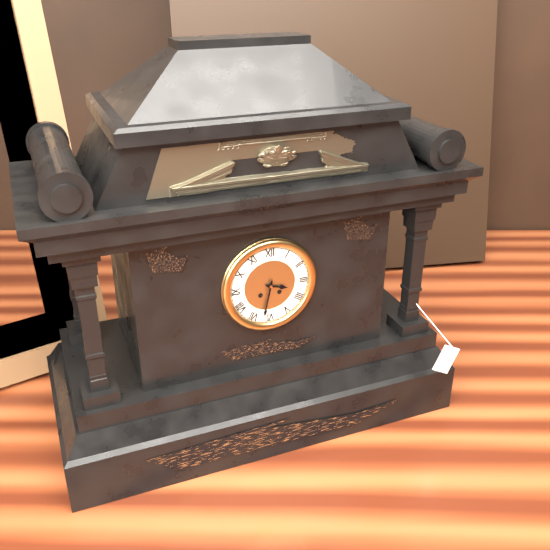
{"hour": 3, "minute": 32}
